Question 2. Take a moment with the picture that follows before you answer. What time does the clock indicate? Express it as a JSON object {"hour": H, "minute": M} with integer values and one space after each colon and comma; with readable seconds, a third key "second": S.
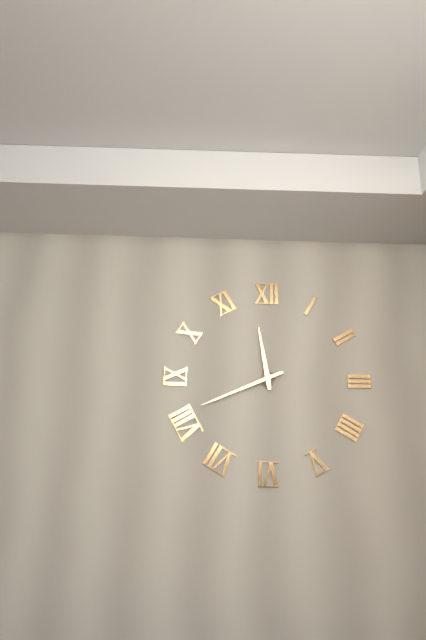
{"hour": 11, "minute": 41}
